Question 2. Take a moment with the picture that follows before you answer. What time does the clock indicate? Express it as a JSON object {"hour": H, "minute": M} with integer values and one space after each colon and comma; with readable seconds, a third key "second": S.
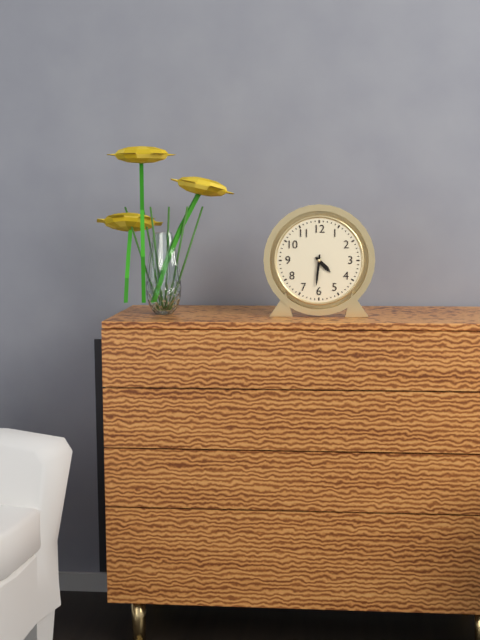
{"hour": 4, "minute": 31}
